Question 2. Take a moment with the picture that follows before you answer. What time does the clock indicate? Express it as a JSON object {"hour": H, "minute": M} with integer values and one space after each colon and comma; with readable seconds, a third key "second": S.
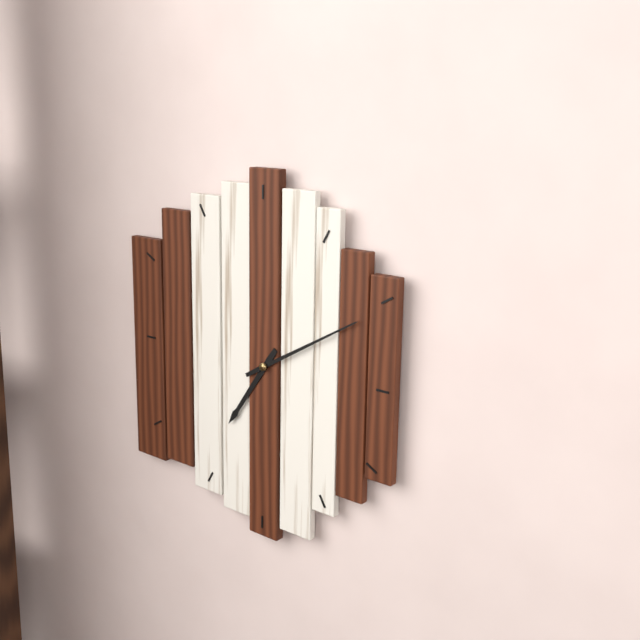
{"hour": 7, "minute": 10}
